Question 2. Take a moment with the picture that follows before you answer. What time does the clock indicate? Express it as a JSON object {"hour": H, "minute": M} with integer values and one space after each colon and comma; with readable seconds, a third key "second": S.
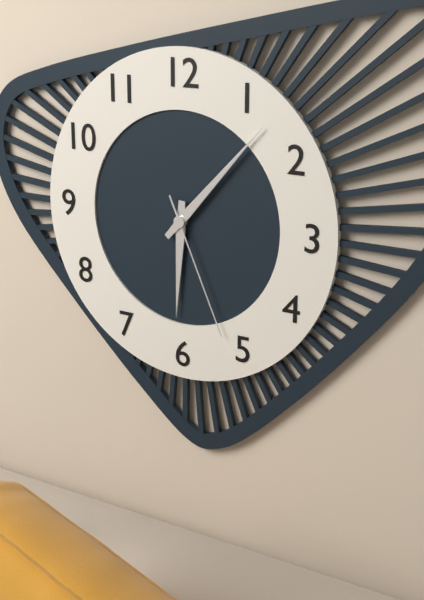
{"hour": 6, "minute": 7, "second": 26}
